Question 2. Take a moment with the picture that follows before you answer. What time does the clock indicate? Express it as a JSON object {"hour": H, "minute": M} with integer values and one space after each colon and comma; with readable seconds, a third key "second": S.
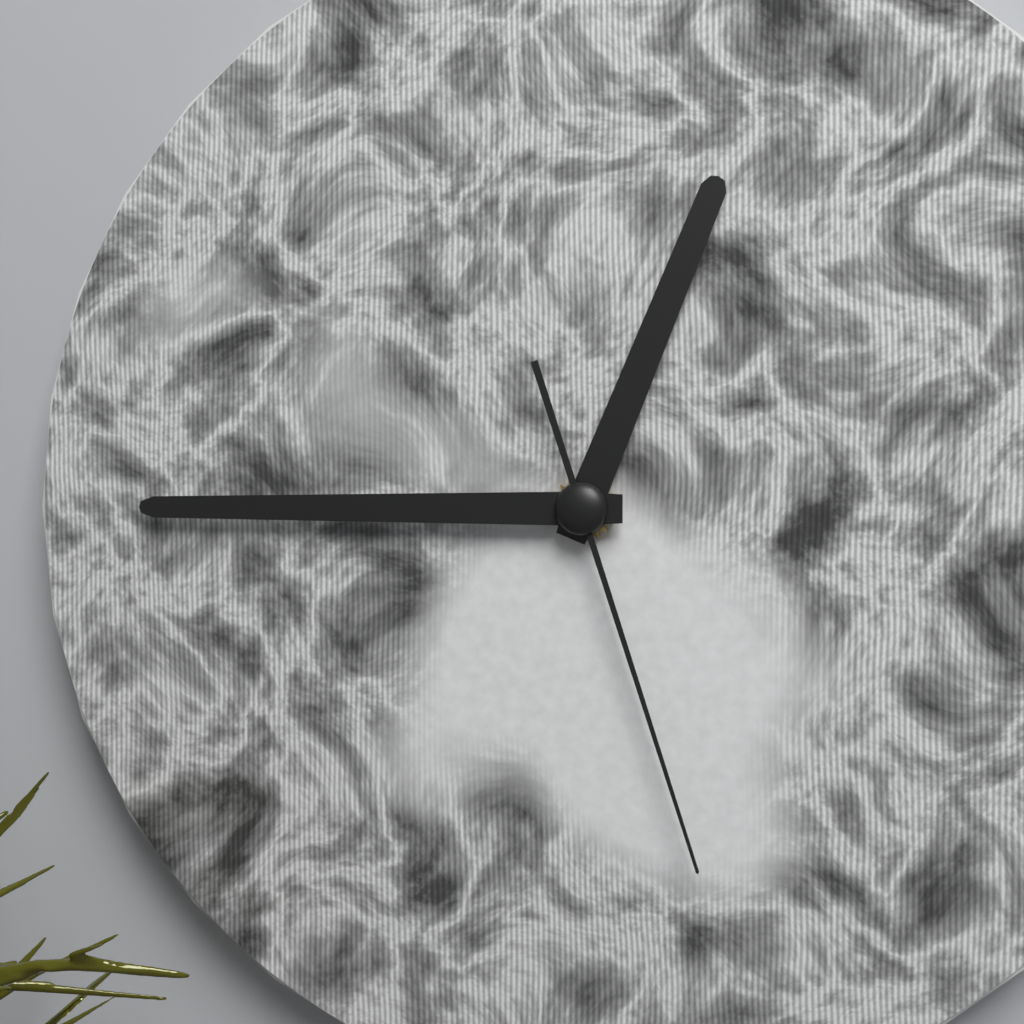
{"hour": 12, "minute": 45, "second": 27}
